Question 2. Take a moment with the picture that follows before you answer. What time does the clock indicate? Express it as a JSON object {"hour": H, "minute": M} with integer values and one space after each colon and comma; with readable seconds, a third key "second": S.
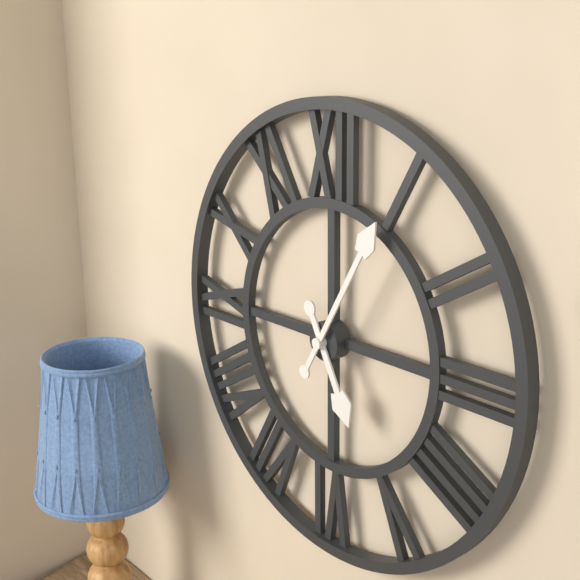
{"hour": 5, "minute": 5}
